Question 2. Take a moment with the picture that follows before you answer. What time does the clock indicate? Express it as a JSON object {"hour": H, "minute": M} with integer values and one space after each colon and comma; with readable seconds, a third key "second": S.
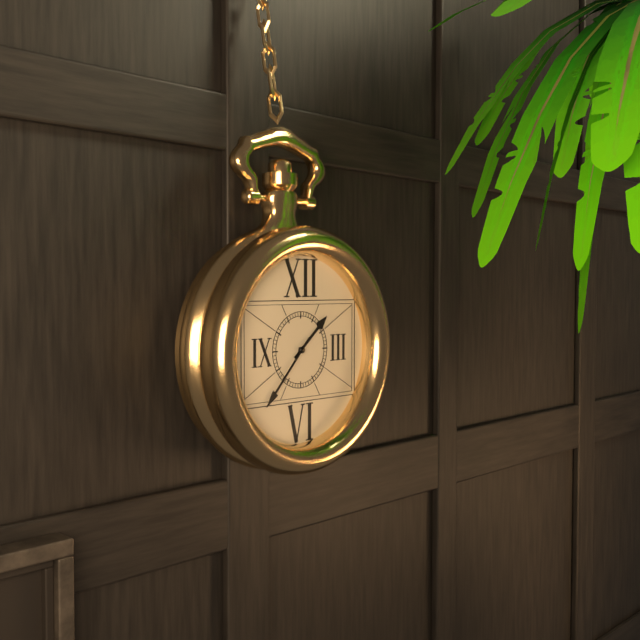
{"hour": 1, "minute": 37}
